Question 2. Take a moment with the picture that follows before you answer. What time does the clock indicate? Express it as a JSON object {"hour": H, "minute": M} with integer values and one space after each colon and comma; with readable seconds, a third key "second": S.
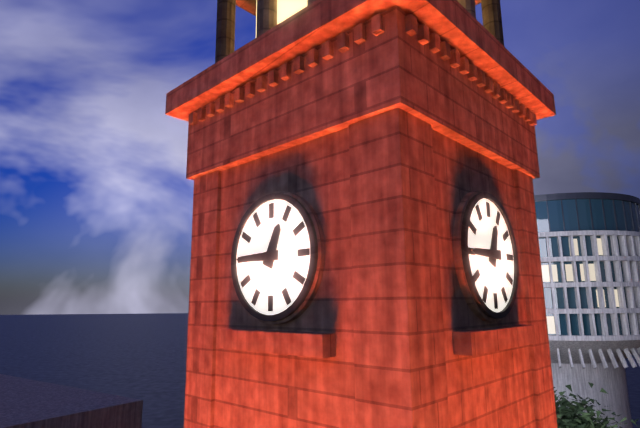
{"hour": 12, "minute": 45}
